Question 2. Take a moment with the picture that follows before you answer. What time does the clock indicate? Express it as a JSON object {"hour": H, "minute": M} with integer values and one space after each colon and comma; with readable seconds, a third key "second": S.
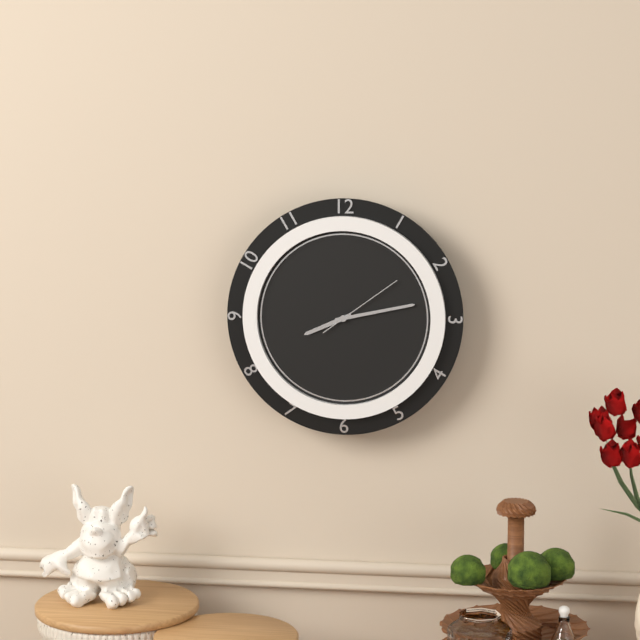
{"hour": 8, "minute": 13, "second": 9}
